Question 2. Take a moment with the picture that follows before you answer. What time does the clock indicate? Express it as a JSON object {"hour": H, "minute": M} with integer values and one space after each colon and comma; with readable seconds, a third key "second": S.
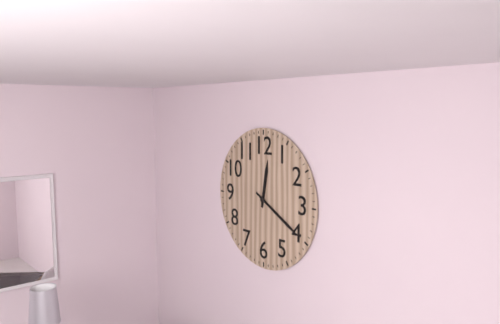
{"hour": 12, "minute": 20}
